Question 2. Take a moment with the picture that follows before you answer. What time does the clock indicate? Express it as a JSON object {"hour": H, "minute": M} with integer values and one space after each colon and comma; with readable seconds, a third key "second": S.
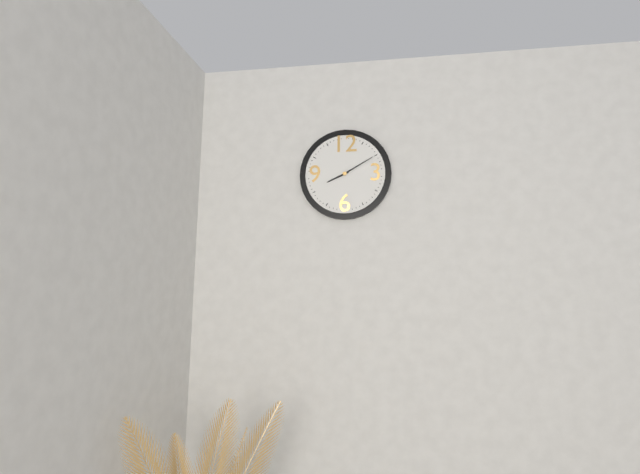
{"hour": 8, "minute": 10}
